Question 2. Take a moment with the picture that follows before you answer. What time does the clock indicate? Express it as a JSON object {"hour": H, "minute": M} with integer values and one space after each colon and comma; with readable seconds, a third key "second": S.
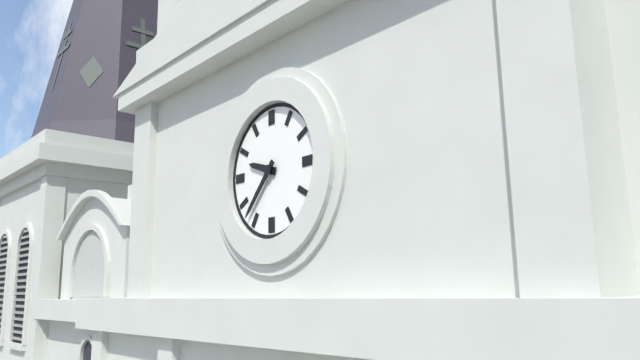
{"hour": 9, "minute": 37}
